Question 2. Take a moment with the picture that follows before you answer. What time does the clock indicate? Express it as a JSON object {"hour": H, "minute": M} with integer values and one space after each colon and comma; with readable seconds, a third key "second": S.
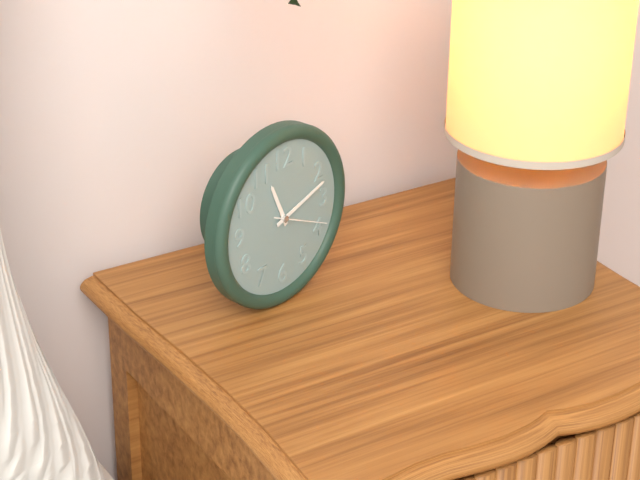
{"hour": 11, "minute": 12, "second": 19}
